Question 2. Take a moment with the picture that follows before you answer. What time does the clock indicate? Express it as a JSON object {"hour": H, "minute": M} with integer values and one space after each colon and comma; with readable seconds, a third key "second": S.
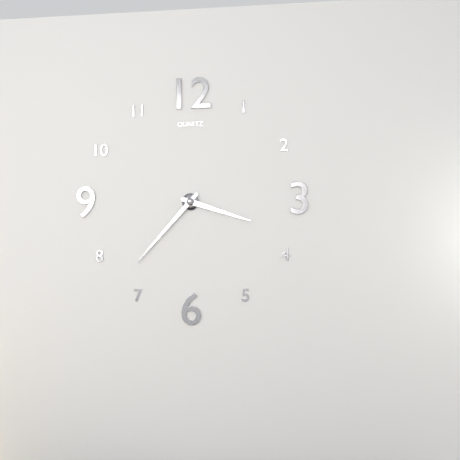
{"hour": 3, "minute": 37}
